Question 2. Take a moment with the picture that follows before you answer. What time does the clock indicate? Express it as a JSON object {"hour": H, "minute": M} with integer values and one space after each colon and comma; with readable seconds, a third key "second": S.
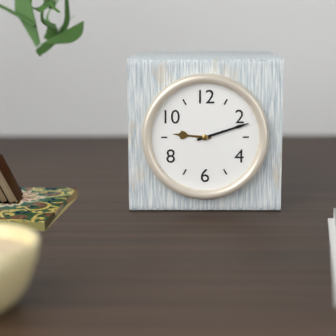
{"hour": 9, "minute": 12}
